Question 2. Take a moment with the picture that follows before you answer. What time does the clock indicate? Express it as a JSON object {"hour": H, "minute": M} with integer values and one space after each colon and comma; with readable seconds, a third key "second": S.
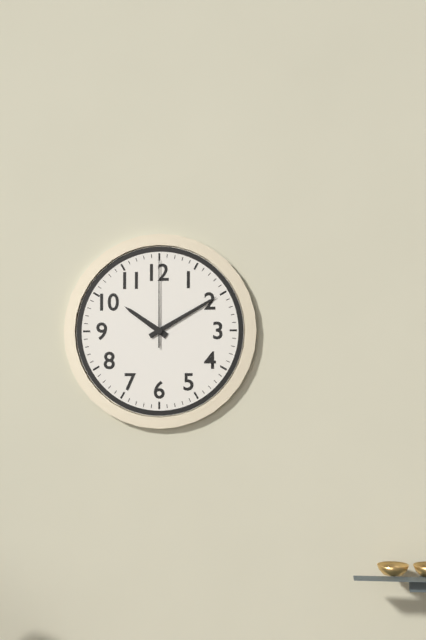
{"hour": 10, "minute": 10, "second": 0}
